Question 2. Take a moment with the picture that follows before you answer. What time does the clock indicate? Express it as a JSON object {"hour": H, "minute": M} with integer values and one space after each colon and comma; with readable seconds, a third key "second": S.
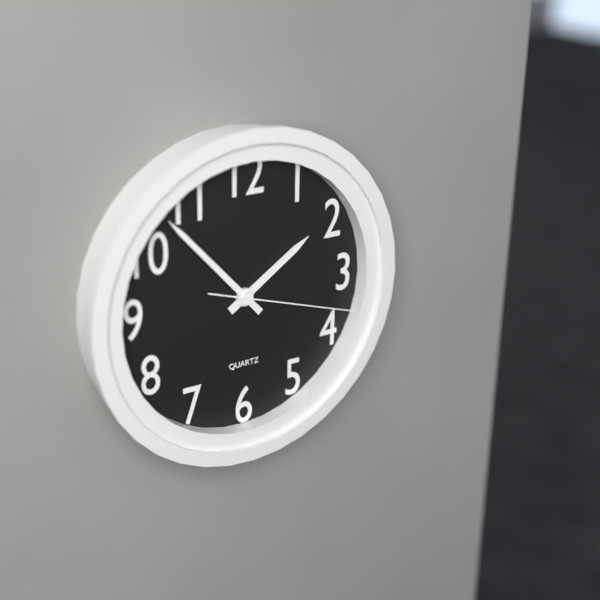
{"hour": 1, "minute": 53, "second": 18}
